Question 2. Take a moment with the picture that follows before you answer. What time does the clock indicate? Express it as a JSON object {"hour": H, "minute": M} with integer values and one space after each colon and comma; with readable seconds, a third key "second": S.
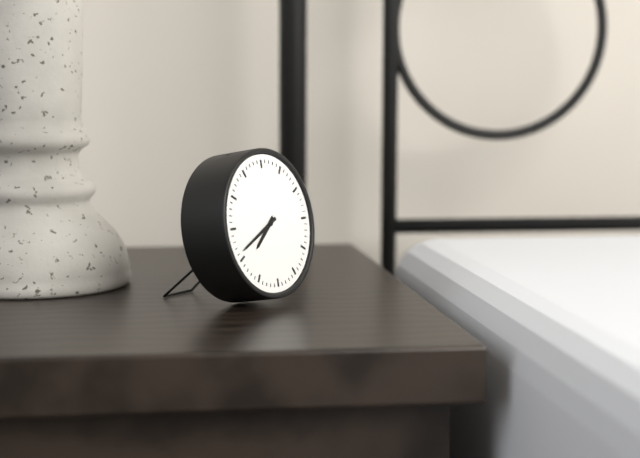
{"hour": 7, "minute": 41}
